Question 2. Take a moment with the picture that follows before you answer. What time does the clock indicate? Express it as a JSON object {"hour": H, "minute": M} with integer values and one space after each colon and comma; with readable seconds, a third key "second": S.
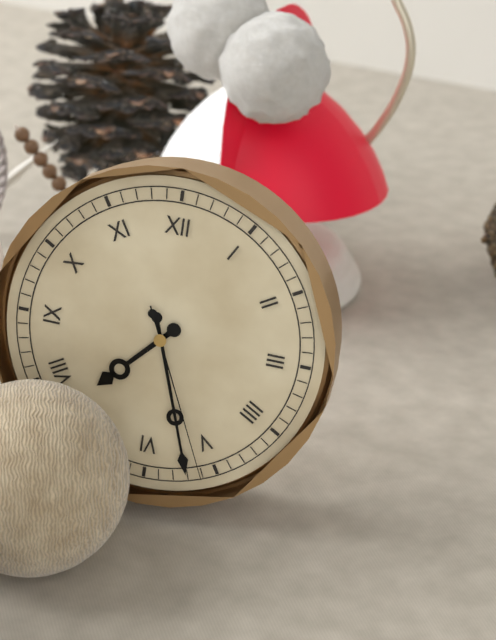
{"hour": 7, "minute": 27, "second": 26}
